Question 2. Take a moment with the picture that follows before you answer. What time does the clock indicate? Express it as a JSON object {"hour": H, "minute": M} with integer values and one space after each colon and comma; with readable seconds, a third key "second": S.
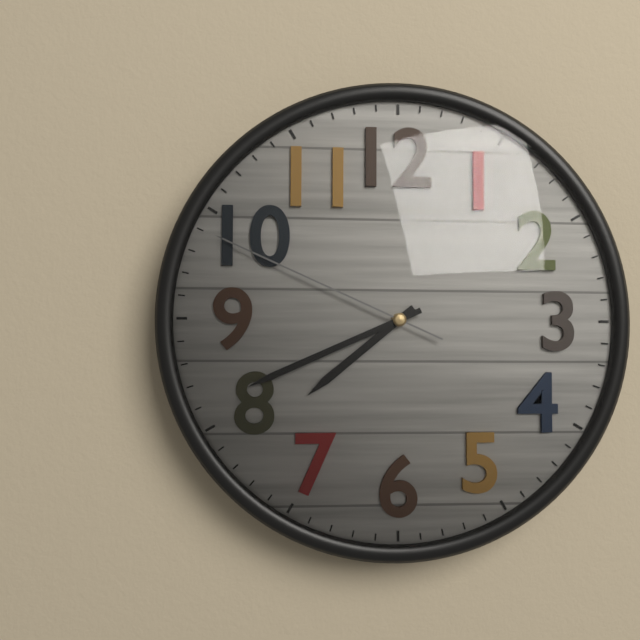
{"hour": 7, "minute": 41, "second": 49}
